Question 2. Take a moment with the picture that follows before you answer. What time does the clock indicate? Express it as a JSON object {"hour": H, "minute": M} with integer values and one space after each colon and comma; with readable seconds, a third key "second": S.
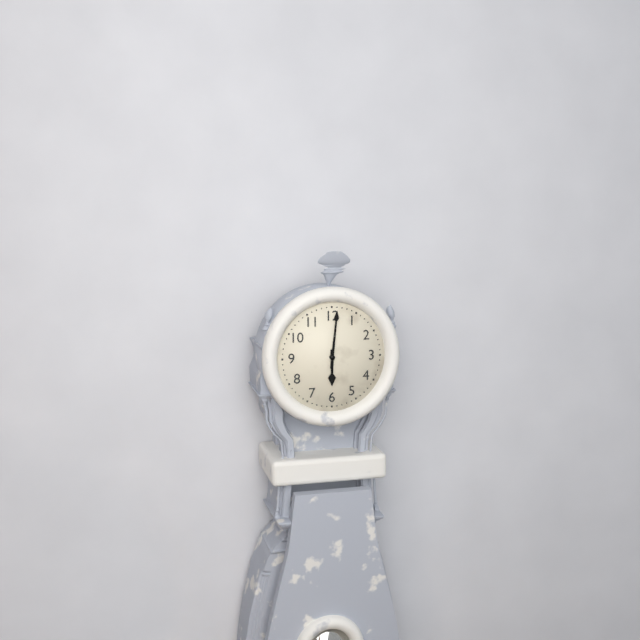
{"hour": 6, "minute": 1}
